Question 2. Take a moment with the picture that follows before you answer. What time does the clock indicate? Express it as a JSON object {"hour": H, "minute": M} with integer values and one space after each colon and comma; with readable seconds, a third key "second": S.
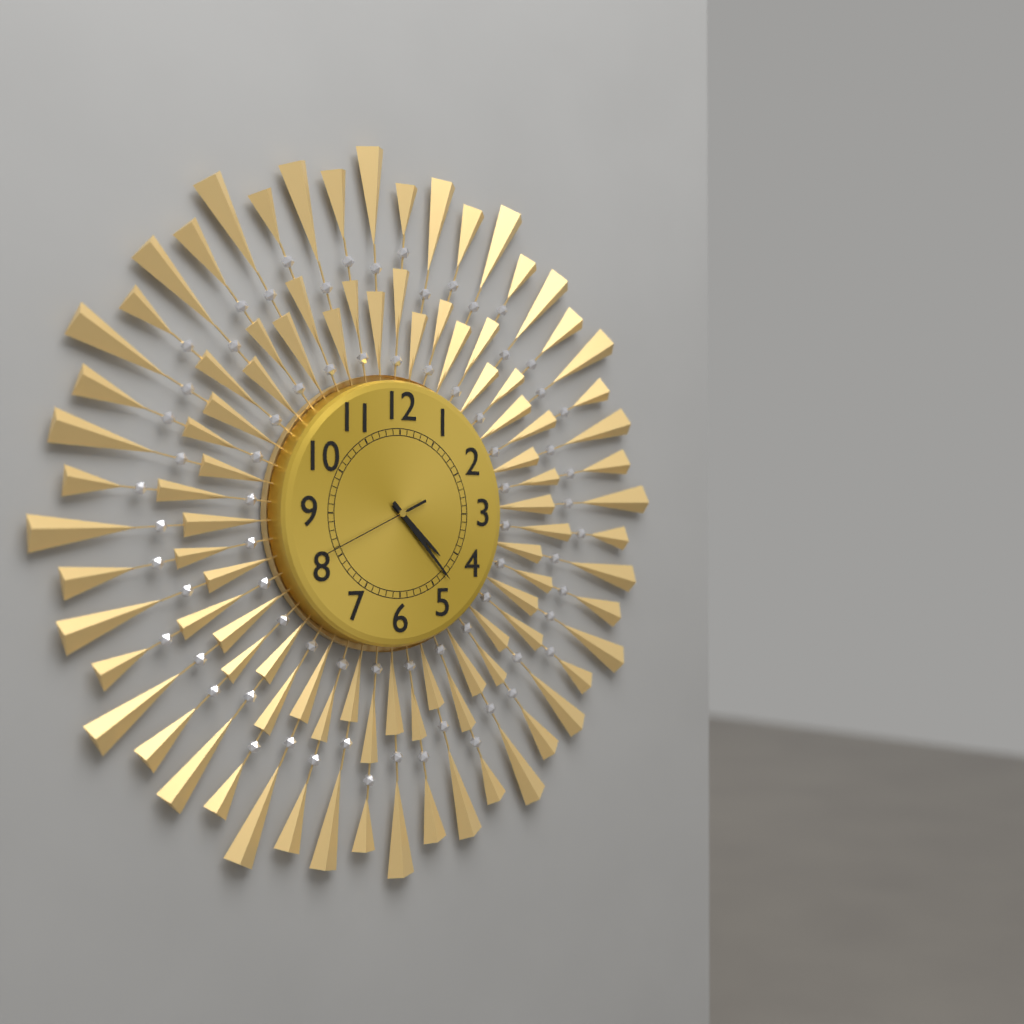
{"hour": 4, "minute": 23, "second": 41}
